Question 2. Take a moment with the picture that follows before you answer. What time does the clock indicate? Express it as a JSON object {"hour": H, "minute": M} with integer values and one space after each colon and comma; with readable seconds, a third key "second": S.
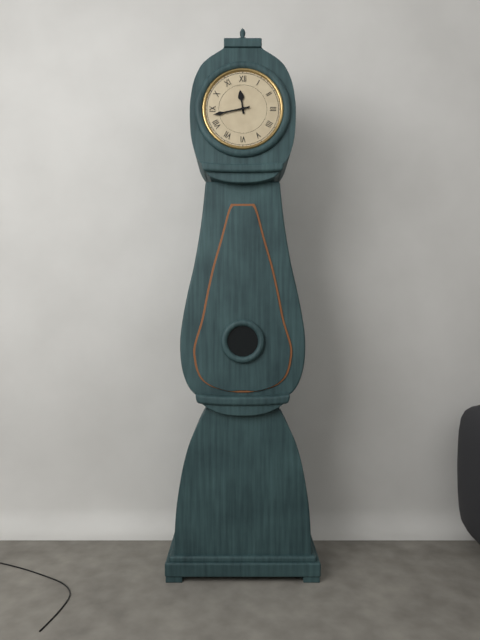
{"hour": 11, "minute": 43}
